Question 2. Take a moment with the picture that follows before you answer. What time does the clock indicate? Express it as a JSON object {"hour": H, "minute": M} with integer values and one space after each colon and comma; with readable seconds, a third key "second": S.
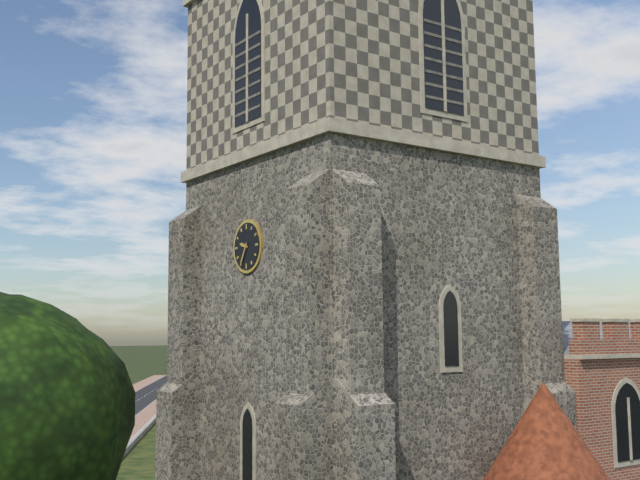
{"hour": 9, "minute": 35}
